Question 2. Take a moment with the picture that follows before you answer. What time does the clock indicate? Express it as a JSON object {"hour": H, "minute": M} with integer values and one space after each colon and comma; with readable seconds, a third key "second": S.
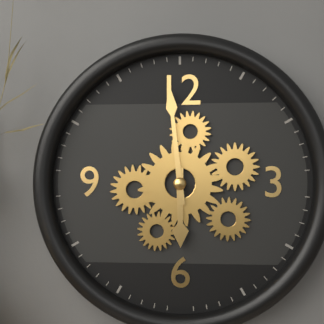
{"hour": 5, "minute": 59}
